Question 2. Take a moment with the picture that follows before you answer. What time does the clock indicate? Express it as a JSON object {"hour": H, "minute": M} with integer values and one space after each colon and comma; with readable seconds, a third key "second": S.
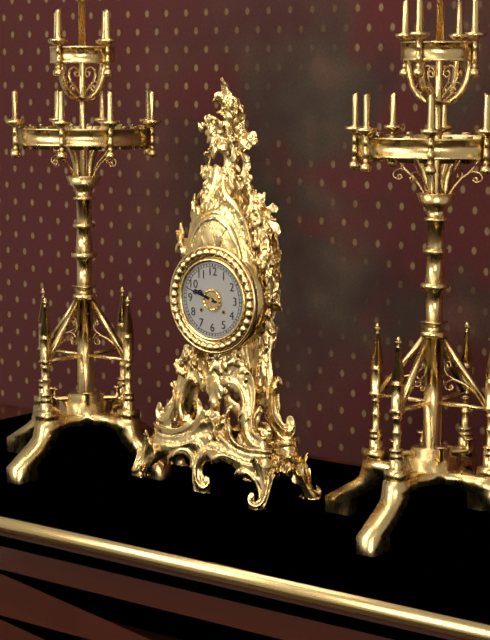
{"hour": 9, "minute": 48}
